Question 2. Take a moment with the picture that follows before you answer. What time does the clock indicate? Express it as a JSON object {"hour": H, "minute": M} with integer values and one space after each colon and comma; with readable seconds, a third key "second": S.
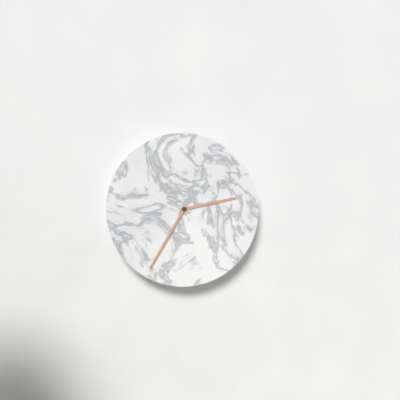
{"hour": 2, "minute": 35}
